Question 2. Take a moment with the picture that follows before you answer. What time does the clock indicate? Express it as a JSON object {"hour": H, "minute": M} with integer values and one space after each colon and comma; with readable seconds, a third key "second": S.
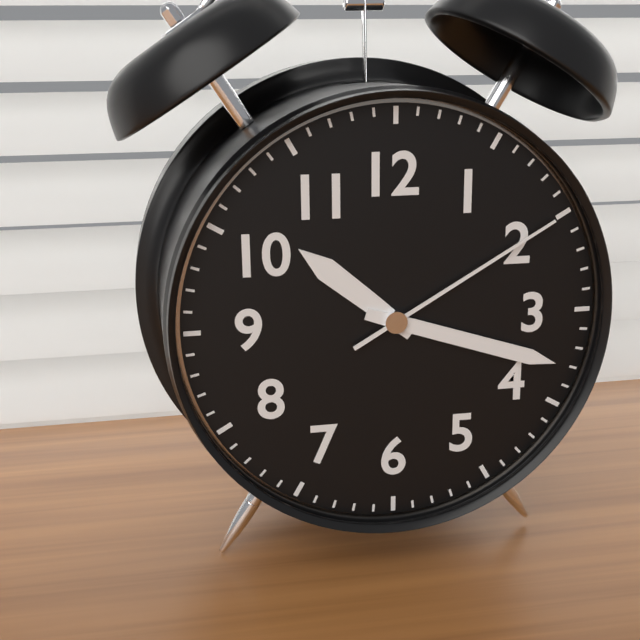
{"hour": 10, "minute": 18, "second": 10}
